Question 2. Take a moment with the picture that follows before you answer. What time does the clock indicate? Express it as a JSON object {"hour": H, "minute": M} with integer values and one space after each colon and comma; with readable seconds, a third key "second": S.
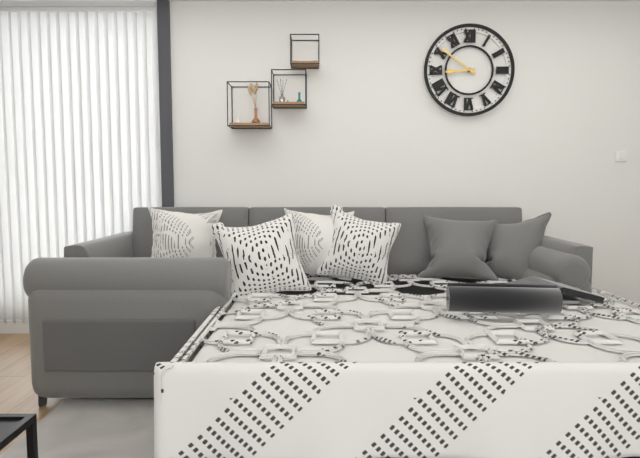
{"hour": 8, "minute": 51}
